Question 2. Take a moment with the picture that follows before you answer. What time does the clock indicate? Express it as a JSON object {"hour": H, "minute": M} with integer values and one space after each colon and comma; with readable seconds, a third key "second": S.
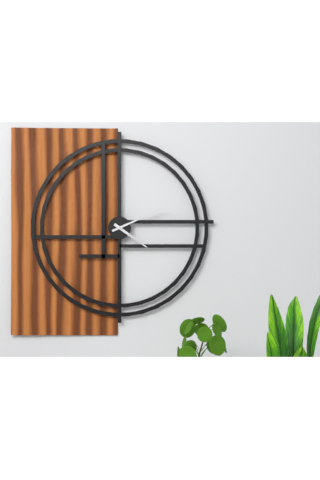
{"hour": 4, "minute": 11}
